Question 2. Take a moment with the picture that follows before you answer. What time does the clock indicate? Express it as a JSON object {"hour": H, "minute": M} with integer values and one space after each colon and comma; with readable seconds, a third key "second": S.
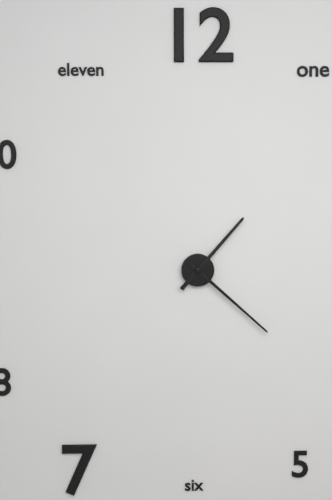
{"hour": 1, "minute": 22}
